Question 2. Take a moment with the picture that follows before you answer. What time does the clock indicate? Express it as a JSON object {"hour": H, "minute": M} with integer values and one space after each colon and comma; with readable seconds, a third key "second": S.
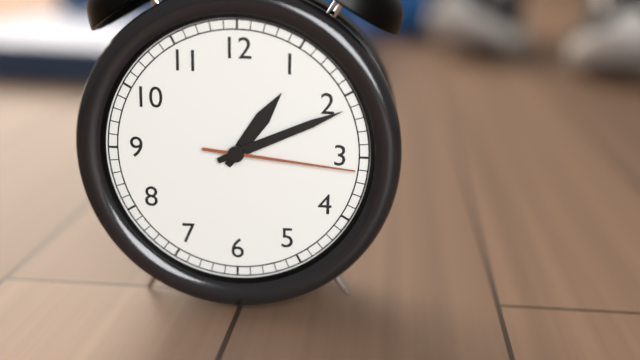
{"hour": 1, "minute": 11, "second": 16}
